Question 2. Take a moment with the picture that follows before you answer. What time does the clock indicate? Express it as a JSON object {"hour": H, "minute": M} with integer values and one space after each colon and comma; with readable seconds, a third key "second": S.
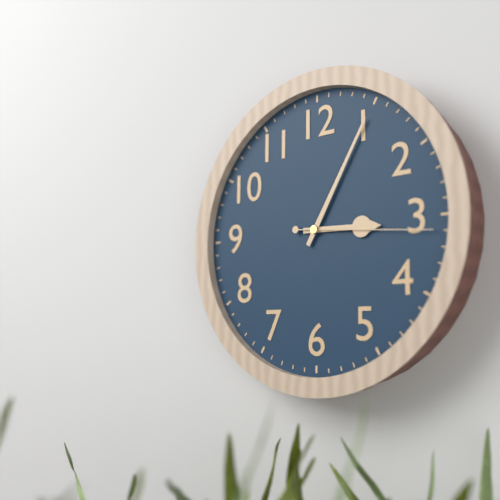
{"hour": 3, "minute": 5, "second": 16}
